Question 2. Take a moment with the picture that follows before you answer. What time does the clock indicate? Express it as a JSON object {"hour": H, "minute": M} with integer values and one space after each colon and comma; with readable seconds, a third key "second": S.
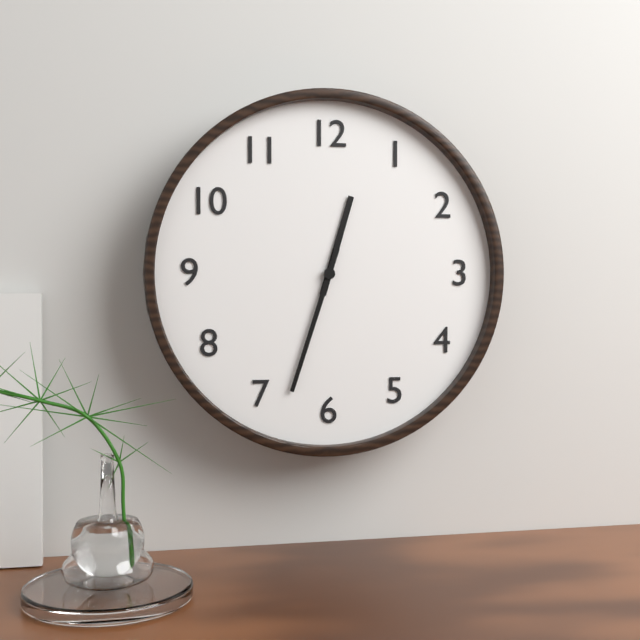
{"hour": 12, "minute": 33}
